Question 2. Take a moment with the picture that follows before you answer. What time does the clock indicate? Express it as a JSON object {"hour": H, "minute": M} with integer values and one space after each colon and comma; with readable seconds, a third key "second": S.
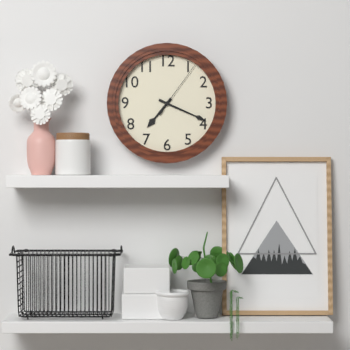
{"hour": 7, "minute": 19, "second": 6}
